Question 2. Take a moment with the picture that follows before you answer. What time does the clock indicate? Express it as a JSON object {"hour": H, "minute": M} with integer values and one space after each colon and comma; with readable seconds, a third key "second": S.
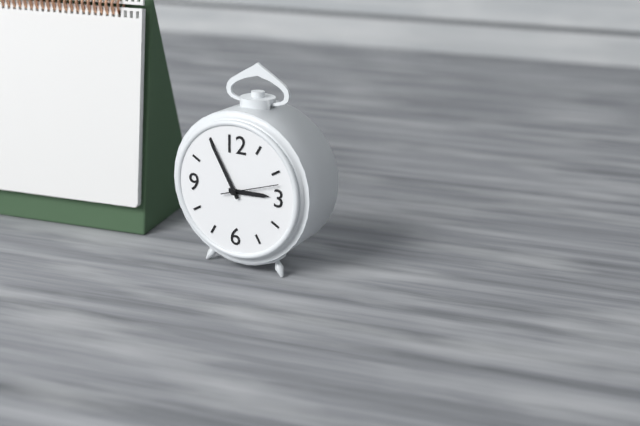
{"hour": 2, "minute": 55, "second": 12}
